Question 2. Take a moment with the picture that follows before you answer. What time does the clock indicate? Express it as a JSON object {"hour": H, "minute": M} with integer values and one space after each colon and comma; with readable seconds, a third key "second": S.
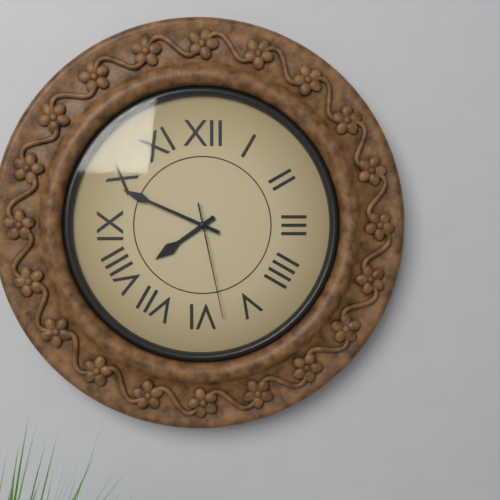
{"hour": 7, "minute": 49, "second": 28}
